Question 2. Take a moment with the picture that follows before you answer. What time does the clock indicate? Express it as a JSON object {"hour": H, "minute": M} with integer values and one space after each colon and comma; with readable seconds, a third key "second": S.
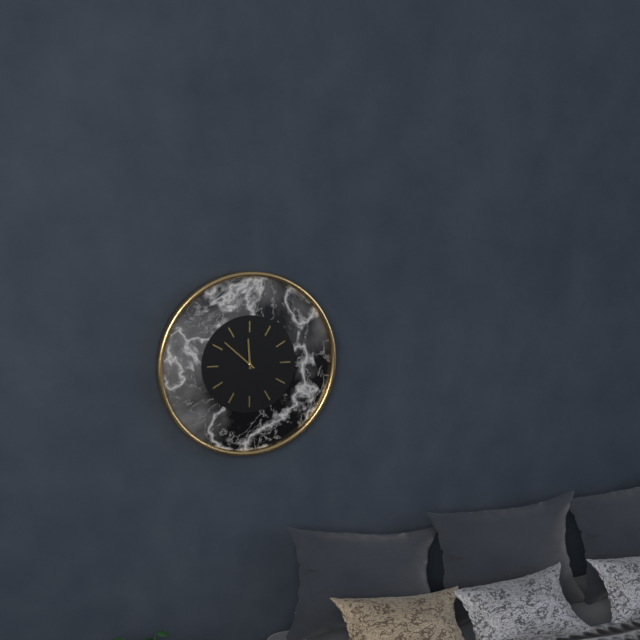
{"hour": 11, "minute": 52}
